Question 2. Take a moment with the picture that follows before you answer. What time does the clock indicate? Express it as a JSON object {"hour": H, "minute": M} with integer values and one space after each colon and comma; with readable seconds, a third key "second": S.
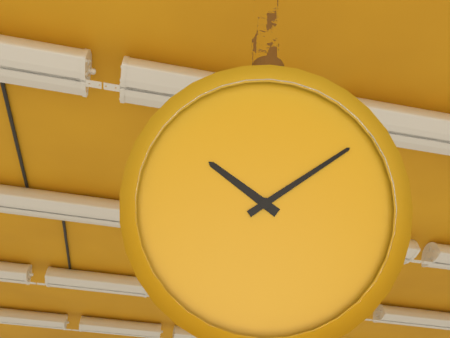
{"hour": 10, "minute": 9}
